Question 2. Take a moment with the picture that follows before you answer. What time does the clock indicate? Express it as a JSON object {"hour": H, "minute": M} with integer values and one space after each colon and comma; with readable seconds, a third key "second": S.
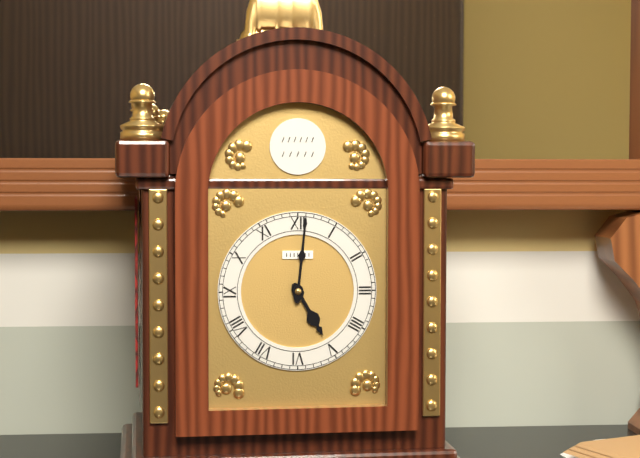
{"hour": 5, "minute": 1}
